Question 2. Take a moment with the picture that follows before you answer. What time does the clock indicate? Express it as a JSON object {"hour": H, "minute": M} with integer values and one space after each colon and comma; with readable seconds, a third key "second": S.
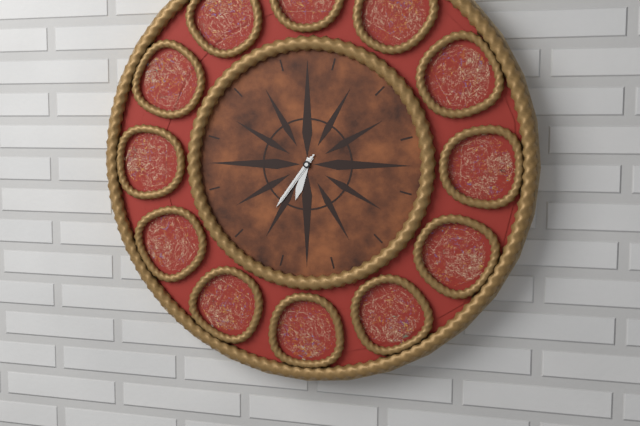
{"hour": 6, "minute": 36, "second": 36}
